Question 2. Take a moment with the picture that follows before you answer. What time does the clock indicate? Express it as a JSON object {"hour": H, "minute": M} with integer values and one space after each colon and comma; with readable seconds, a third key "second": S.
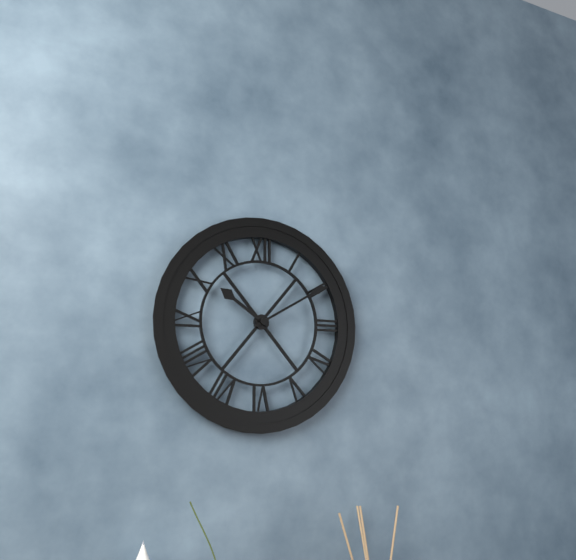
{"hour": 10, "minute": 10}
